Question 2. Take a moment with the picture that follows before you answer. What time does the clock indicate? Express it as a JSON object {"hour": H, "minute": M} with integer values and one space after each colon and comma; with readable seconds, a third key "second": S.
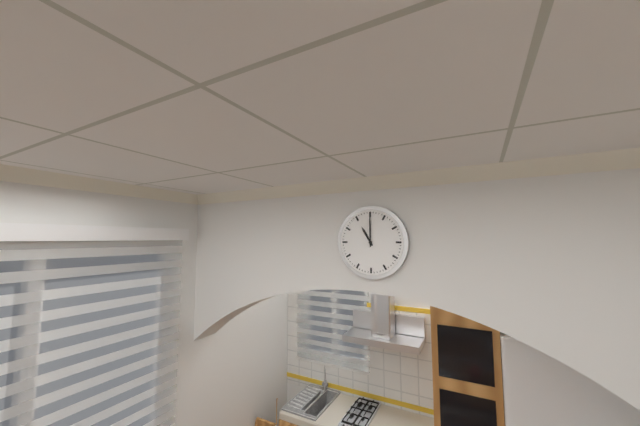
{"hour": 11, "minute": 0}
